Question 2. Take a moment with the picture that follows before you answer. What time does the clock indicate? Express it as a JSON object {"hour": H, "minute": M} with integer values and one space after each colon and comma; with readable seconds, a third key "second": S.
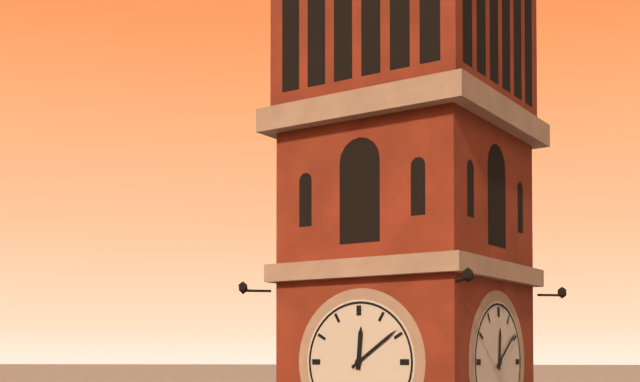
{"hour": 12, "minute": 9}
